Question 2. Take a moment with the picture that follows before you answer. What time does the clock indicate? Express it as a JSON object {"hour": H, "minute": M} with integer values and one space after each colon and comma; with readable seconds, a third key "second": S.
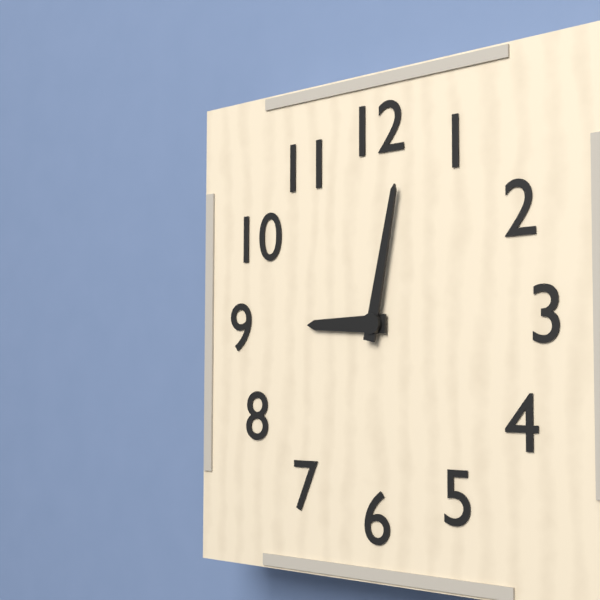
{"hour": 9, "minute": 2}
